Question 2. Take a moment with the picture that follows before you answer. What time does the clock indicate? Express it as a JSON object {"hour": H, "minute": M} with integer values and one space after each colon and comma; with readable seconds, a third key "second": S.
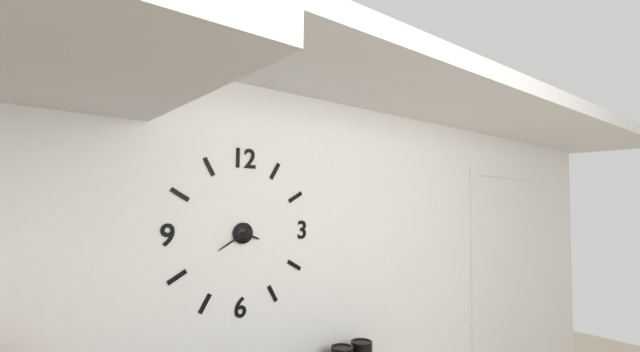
{"hour": 3, "minute": 40}
